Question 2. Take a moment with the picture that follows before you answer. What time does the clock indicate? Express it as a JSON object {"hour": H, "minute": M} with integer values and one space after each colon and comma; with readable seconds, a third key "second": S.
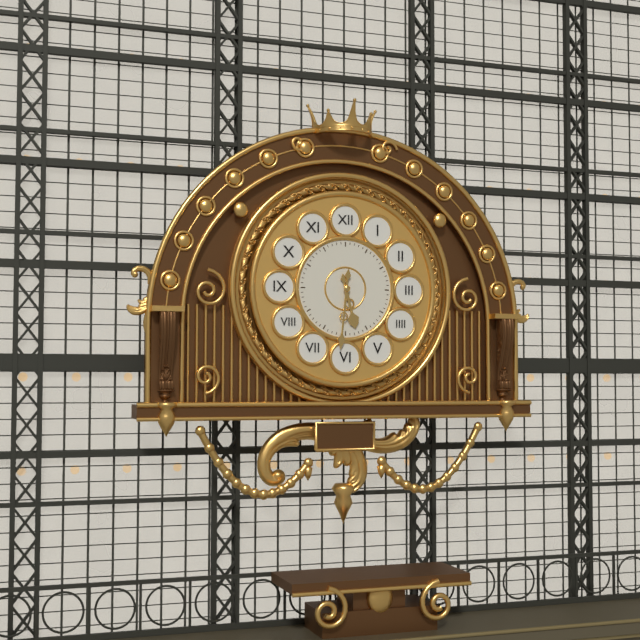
{"hour": 5, "minute": 31}
